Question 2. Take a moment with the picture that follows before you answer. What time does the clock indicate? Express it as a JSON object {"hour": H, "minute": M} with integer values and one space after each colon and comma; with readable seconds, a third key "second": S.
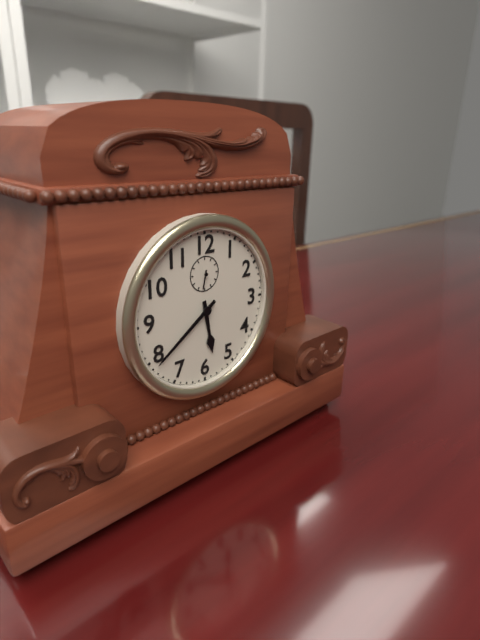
{"hour": 5, "minute": 39}
